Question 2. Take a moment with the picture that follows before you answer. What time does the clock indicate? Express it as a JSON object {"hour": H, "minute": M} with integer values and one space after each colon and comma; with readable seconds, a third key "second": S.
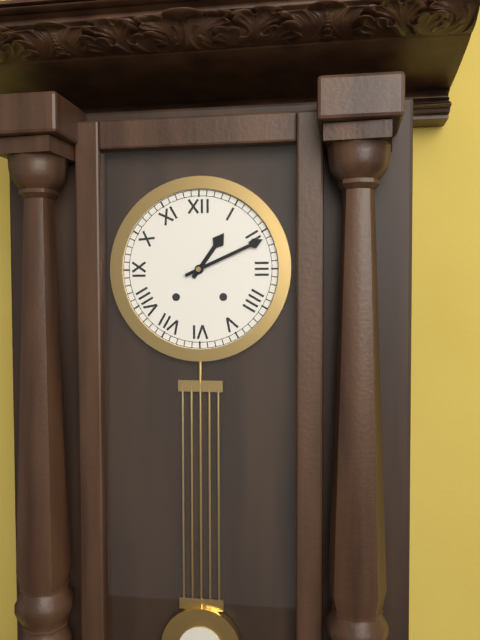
{"hour": 1, "minute": 11}
